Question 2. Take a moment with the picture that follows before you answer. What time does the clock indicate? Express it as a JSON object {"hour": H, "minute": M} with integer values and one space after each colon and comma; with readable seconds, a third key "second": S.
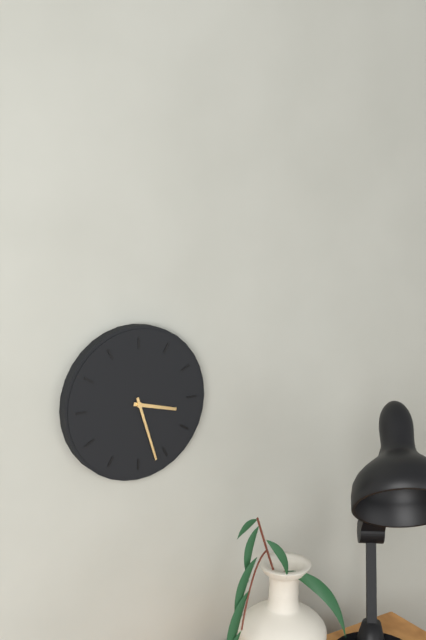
{"hour": 3, "minute": 27}
